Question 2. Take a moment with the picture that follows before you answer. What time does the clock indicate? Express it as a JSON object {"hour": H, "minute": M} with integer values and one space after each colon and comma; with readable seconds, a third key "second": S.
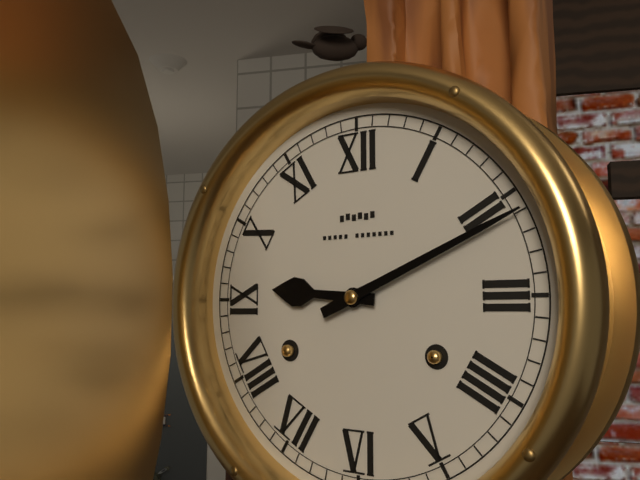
{"hour": 9, "minute": 11}
